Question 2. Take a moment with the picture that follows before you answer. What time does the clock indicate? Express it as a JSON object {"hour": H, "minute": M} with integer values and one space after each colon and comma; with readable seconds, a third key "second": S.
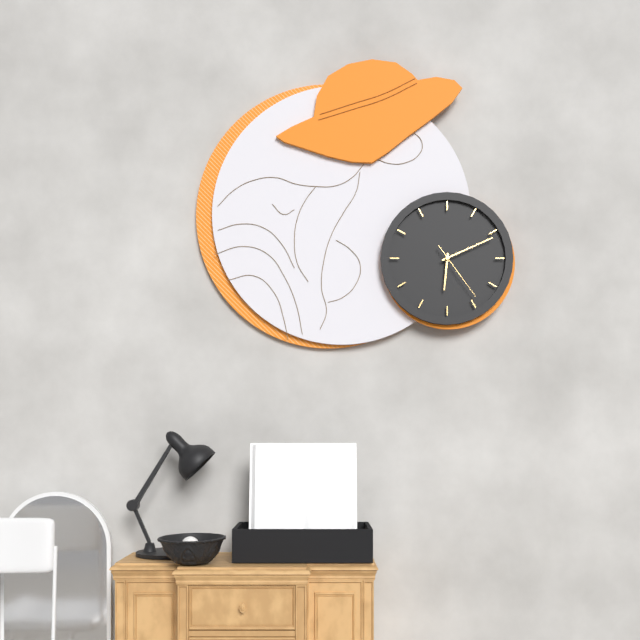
{"hour": 6, "minute": 11, "second": 24}
